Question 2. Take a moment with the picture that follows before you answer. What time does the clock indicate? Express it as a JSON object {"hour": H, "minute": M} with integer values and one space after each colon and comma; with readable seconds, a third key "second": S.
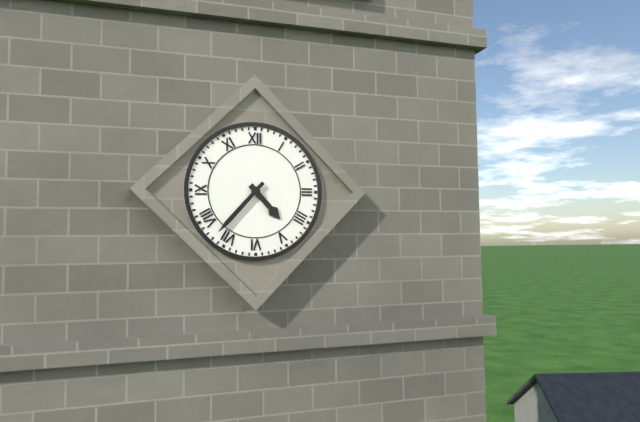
{"hour": 4, "minute": 37}
